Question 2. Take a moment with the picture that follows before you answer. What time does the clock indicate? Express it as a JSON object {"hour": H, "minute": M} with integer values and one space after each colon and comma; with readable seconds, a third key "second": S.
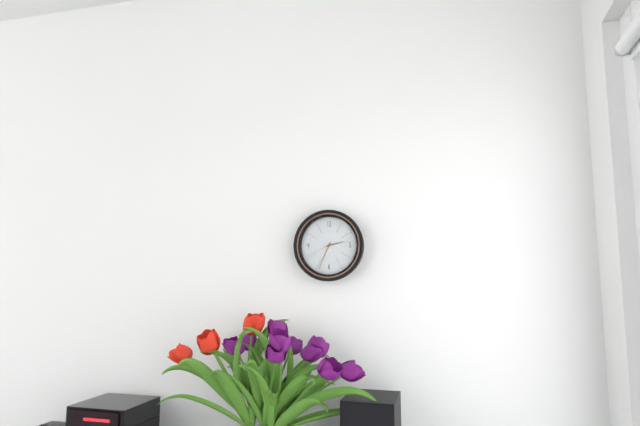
{"hour": 2, "minute": 34}
